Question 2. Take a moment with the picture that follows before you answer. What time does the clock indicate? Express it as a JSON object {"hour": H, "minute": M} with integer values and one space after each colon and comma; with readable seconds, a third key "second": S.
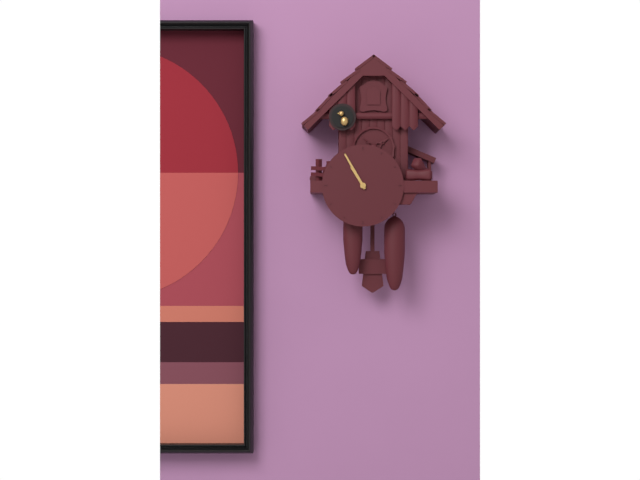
{"hour": 10, "minute": 55}
